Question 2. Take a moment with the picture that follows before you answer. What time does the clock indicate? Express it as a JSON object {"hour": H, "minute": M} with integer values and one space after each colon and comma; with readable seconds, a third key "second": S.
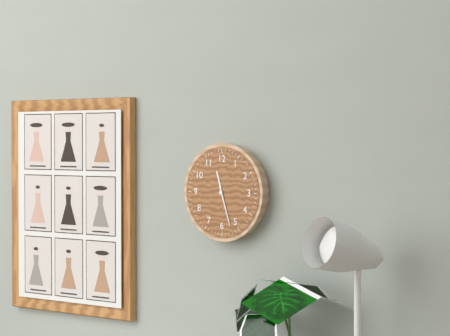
{"hour": 11, "minute": 27}
